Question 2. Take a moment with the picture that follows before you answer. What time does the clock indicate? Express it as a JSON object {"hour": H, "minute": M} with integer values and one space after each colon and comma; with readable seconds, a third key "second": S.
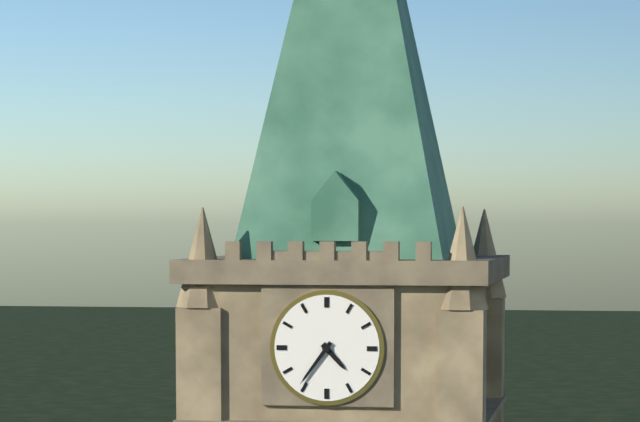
{"hour": 4, "minute": 36}
